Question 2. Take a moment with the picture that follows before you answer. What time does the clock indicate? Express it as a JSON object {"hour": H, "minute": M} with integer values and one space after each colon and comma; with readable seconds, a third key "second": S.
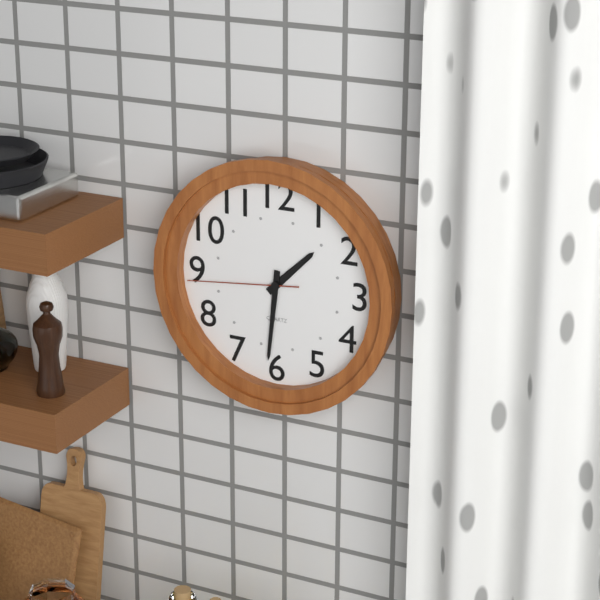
{"hour": 1, "minute": 31, "second": 44}
